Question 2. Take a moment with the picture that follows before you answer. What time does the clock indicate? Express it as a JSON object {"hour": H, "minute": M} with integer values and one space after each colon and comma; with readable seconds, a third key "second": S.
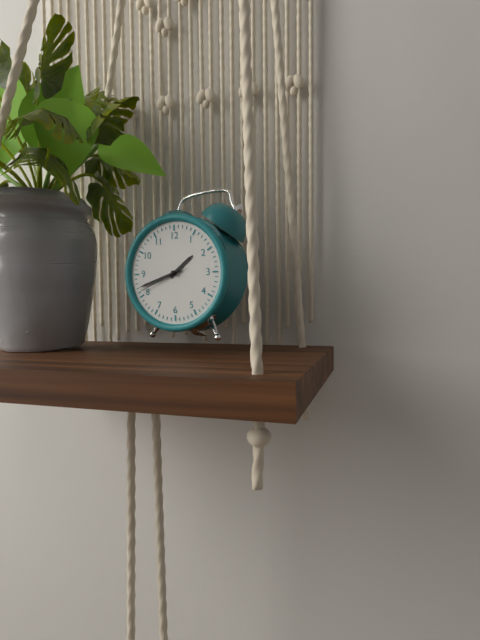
{"hour": 1, "minute": 42, "second": 41}
